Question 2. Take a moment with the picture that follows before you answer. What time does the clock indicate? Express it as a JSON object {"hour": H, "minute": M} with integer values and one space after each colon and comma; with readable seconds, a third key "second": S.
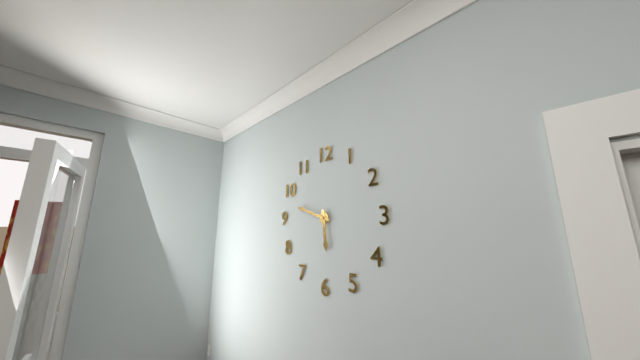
{"hour": 5, "minute": 48}
